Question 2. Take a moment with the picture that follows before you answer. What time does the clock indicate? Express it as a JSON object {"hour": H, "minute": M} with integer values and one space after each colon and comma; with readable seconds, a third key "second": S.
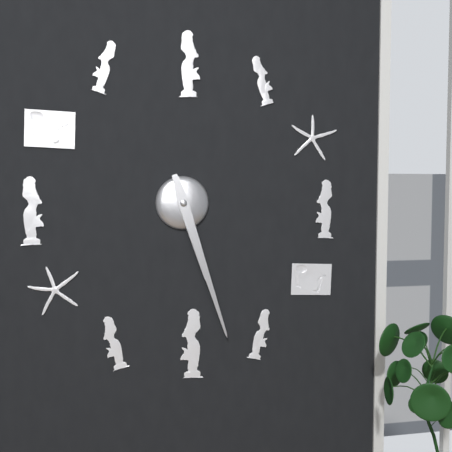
{"hour": 5, "minute": 27}
